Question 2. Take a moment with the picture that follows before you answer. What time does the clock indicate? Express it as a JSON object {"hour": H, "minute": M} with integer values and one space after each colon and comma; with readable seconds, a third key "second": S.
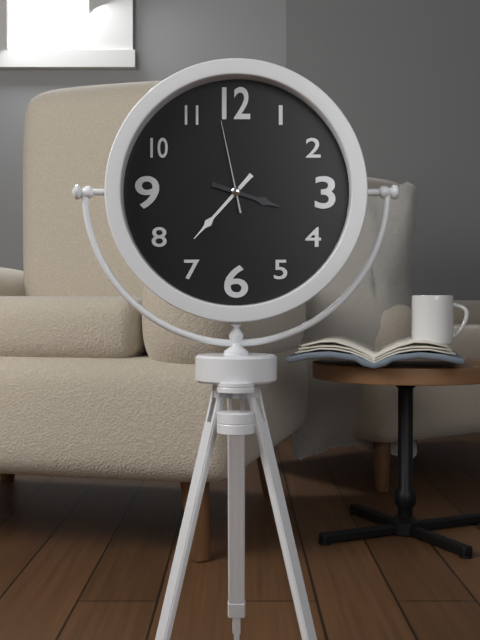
{"hour": 3, "minute": 37, "second": 58}
